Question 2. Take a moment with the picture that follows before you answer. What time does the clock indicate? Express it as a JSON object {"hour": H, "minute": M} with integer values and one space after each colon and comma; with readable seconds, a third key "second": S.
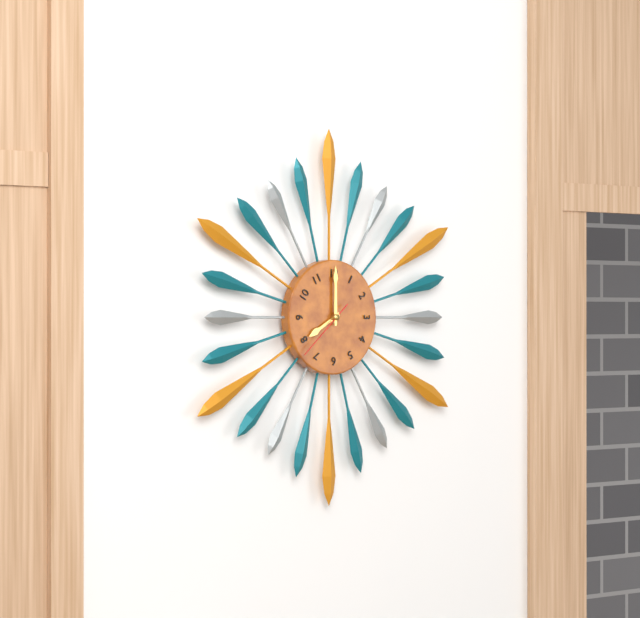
{"hour": 8, "minute": 0, "second": 38}
